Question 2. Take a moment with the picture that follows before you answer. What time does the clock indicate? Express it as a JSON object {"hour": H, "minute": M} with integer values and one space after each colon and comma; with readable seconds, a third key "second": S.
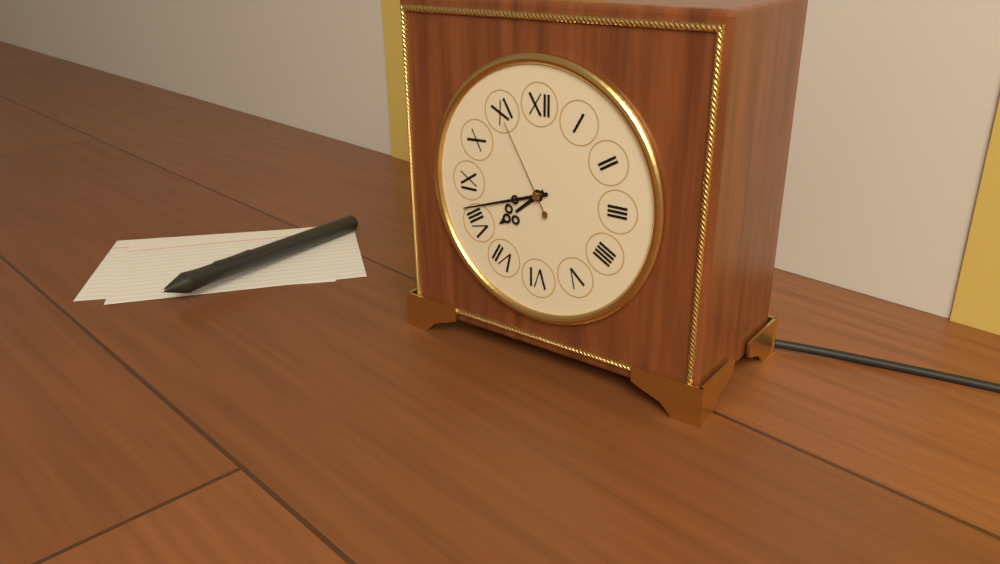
{"hour": 7, "minute": 42, "second": 55}
